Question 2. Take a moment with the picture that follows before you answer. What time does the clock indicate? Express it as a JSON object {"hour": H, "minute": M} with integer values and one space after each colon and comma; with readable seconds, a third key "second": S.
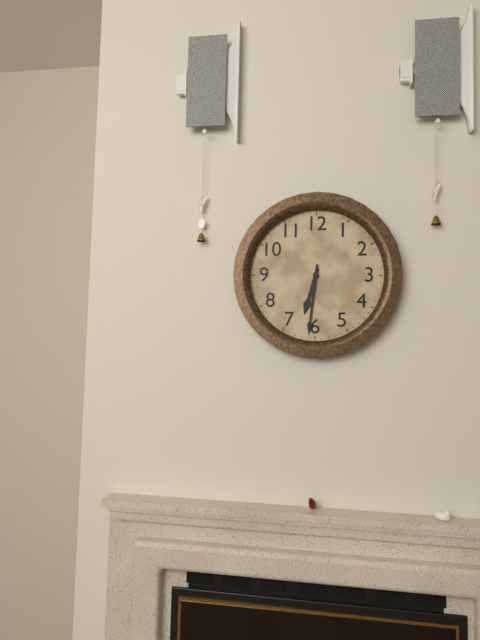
{"hour": 6, "minute": 31}
